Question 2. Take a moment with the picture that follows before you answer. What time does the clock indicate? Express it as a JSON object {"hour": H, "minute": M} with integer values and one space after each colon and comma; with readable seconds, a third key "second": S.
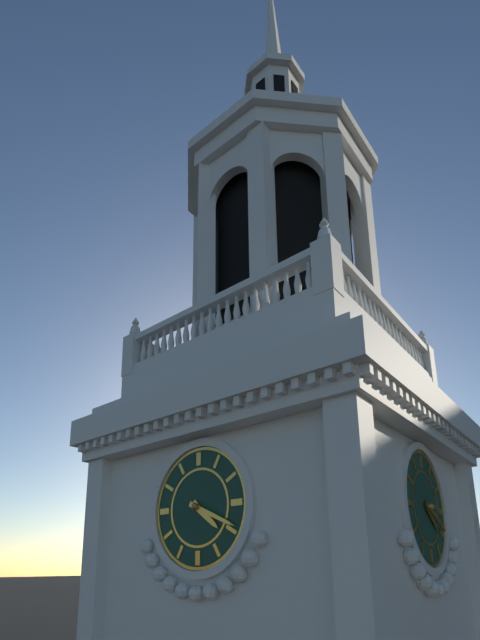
{"hour": 4, "minute": 19}
